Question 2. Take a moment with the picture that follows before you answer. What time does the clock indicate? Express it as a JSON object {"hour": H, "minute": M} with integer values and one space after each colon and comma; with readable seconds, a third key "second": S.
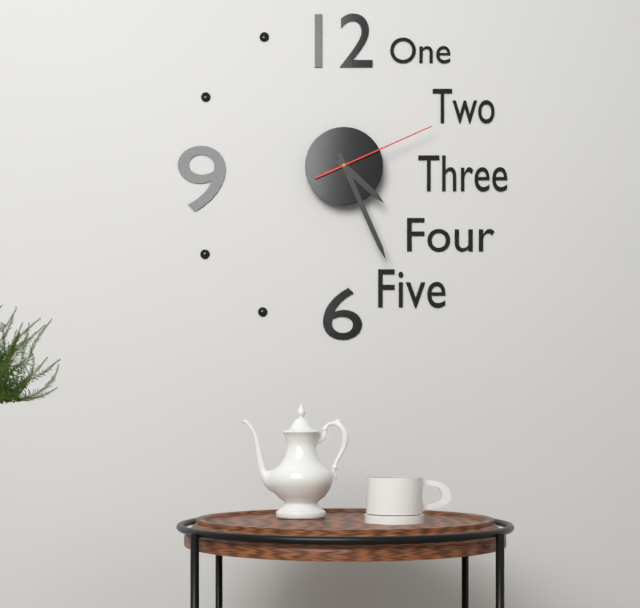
{"hour": 4, "minute": 26, "second": 11}
